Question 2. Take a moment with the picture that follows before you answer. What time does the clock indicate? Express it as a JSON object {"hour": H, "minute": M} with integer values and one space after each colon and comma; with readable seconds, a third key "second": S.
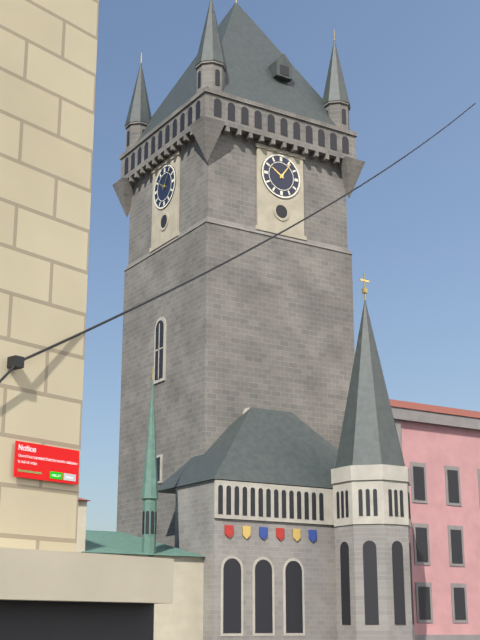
{"hour": 10, "minute": 6}
